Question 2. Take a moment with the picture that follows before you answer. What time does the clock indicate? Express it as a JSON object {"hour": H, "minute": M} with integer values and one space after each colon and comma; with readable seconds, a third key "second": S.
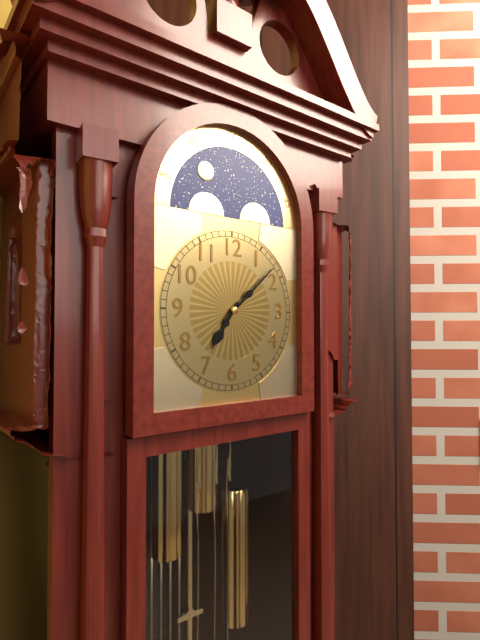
{"hour": 7, "minute": 8}
